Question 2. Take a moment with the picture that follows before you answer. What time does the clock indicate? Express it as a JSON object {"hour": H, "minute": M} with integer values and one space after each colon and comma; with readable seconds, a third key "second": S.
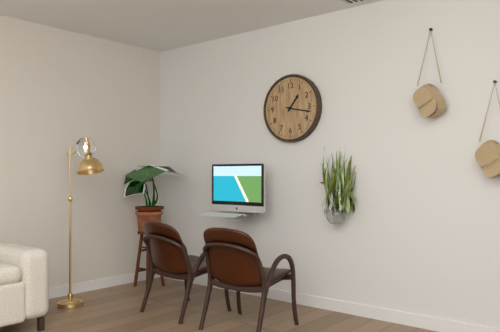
{"hour": 1, "minute": 17}
